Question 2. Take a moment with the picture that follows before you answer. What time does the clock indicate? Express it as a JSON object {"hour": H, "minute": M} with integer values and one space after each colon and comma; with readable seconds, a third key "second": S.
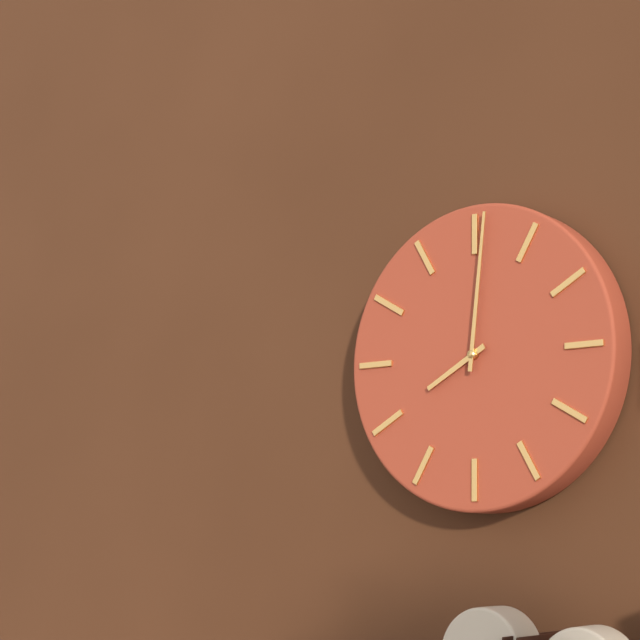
{"hour": 8, "minute": 1}
